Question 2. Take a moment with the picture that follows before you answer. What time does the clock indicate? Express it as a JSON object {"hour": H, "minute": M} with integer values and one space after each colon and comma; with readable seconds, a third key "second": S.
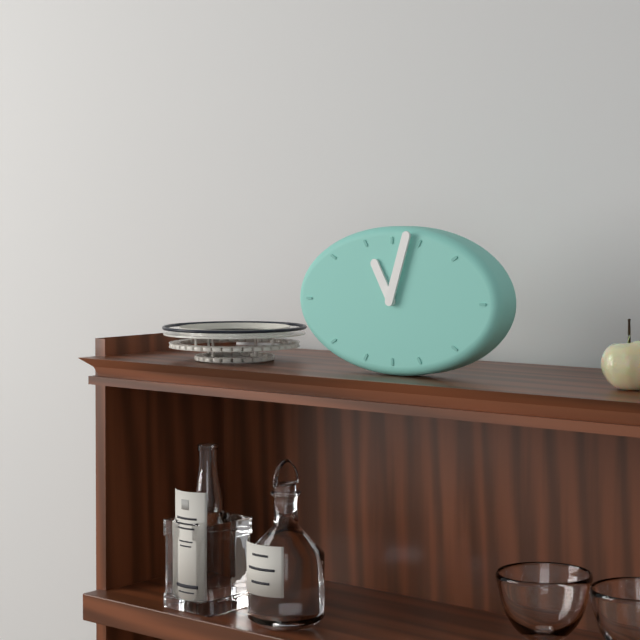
{"hour": 11, "minute": 3}
